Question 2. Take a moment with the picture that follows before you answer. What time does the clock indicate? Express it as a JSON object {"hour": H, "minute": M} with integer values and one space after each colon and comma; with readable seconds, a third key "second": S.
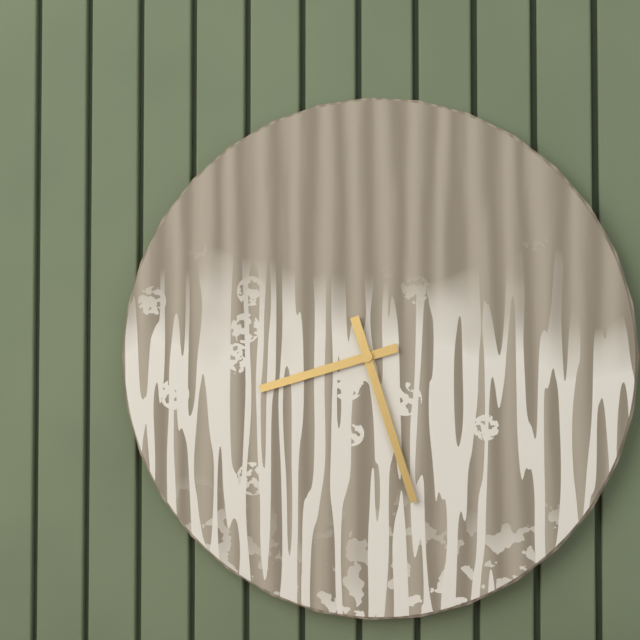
{"hour": 8, "minute": 27}
